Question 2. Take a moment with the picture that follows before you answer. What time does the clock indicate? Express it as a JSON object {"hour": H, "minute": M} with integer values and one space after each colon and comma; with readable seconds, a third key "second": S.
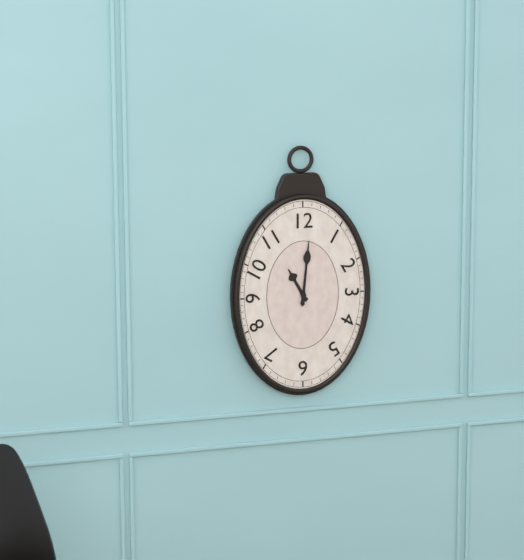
{"hour": 11, "minute": 1}
